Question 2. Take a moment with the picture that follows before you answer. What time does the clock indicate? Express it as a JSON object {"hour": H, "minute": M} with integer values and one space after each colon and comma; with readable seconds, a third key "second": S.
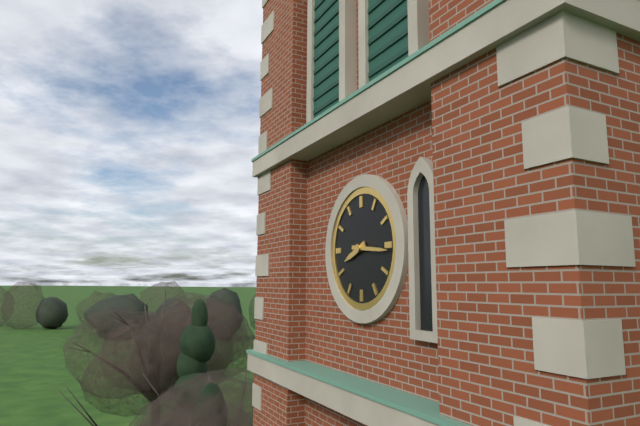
{"hour": 8, "minute": 16}
